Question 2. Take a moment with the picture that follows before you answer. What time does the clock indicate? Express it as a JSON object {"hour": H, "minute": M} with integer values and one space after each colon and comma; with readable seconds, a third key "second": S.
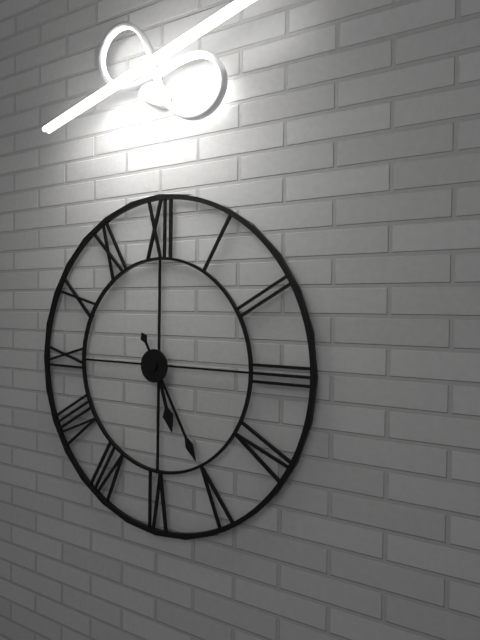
{"hour": 5, "minute": 25}
